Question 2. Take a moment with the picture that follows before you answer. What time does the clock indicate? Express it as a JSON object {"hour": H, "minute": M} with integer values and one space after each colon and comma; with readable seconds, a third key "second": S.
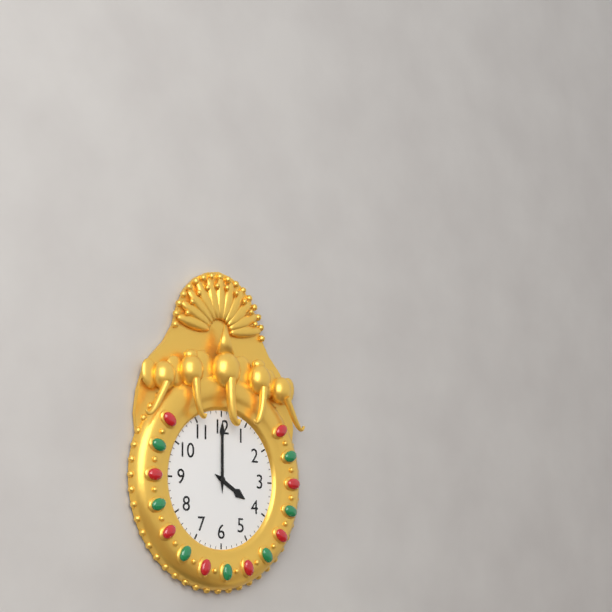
{"hour": 4, "minute": 0}
